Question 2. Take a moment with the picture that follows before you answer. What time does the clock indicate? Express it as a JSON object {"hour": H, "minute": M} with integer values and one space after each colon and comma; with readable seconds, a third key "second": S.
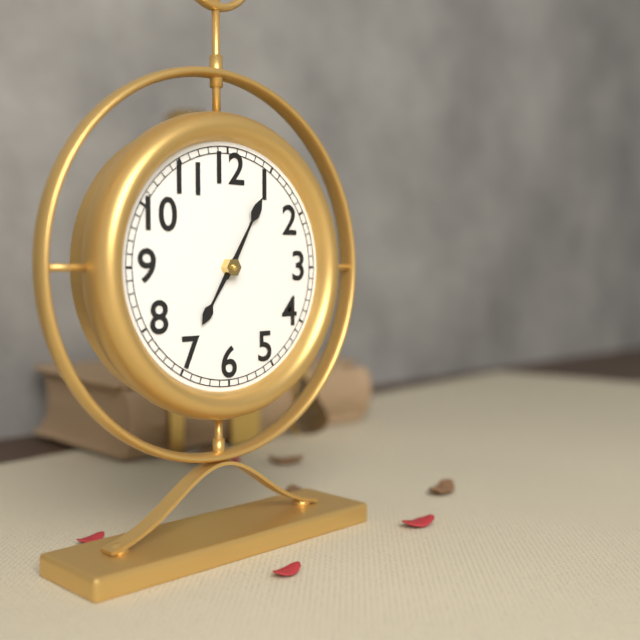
{"hour": 7, "minute": 5}
